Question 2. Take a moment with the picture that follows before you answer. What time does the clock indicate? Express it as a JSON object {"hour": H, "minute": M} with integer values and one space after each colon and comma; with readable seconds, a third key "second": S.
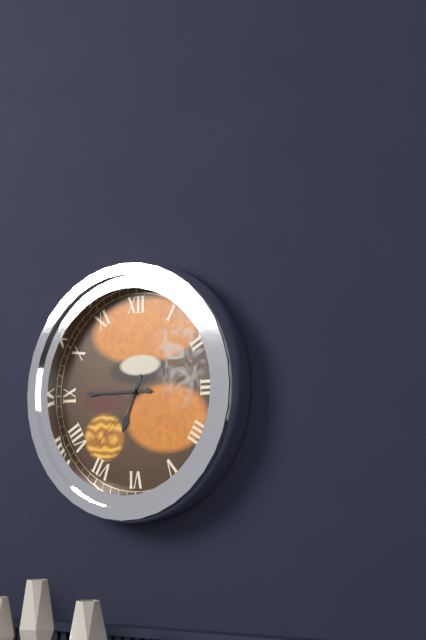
{"hour": 6, "minute": 45, "second": 37}
